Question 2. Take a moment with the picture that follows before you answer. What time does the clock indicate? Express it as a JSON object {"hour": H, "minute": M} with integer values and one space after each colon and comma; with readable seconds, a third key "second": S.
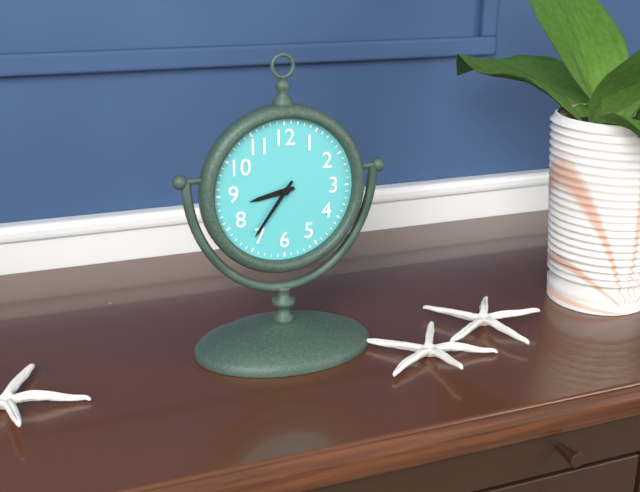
{"hour": 8, "minute": 36}
